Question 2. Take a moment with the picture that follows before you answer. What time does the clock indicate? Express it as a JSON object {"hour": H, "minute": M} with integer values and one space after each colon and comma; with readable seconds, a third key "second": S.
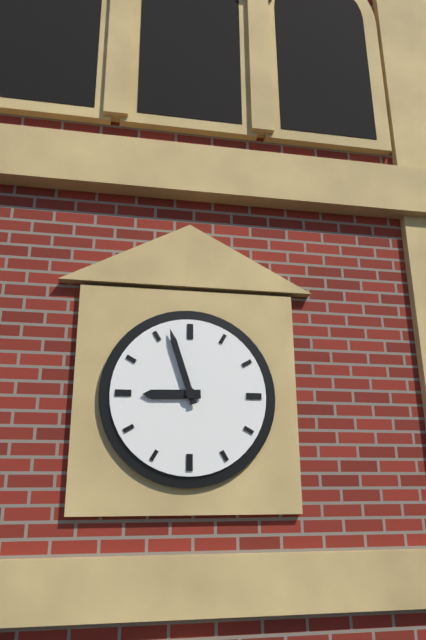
{"hour": 8, "minute": 57}
